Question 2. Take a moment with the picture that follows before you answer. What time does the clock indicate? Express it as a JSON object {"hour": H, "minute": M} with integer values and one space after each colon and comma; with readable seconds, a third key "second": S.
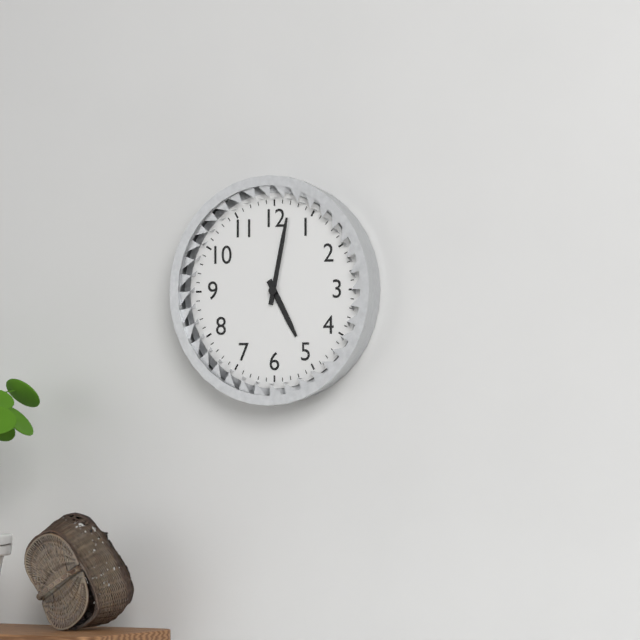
{"hour": 5, "minute": 2}
